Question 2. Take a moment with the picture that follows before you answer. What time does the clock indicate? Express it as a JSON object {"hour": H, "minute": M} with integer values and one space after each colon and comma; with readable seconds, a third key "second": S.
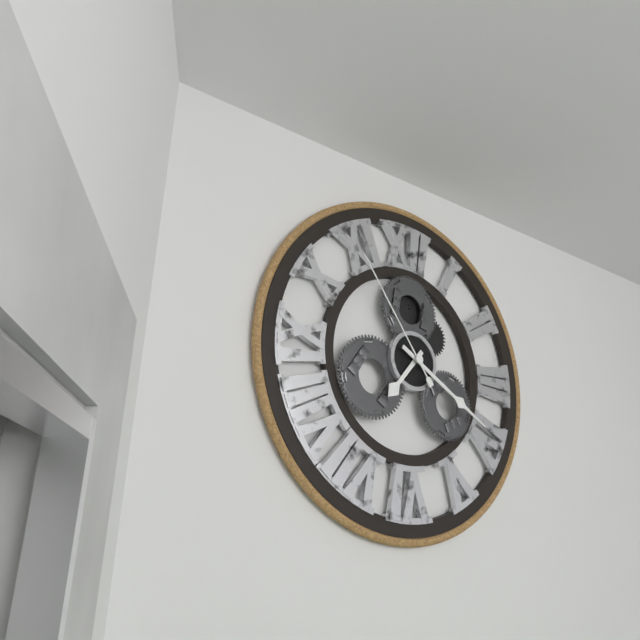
{"hour": 7, "minute": 20, "second": 54}
